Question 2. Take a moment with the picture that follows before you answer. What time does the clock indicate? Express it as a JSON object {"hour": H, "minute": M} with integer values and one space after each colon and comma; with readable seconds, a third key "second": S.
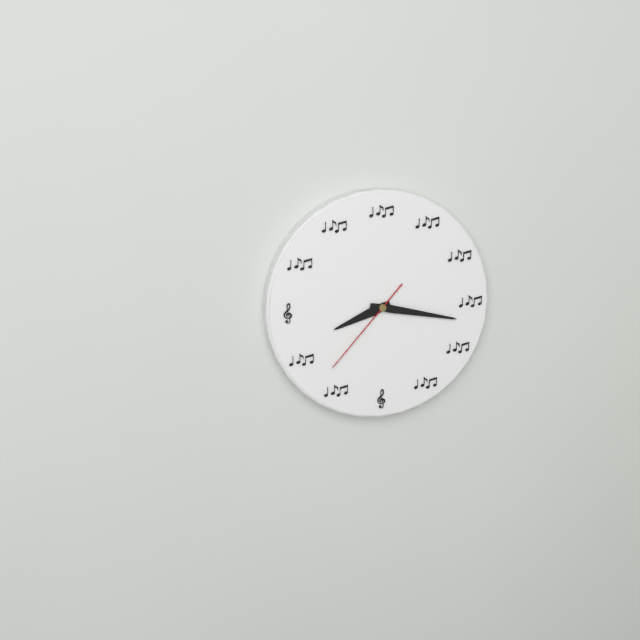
{"hour": 8, "minute": 17, "second": 37}
